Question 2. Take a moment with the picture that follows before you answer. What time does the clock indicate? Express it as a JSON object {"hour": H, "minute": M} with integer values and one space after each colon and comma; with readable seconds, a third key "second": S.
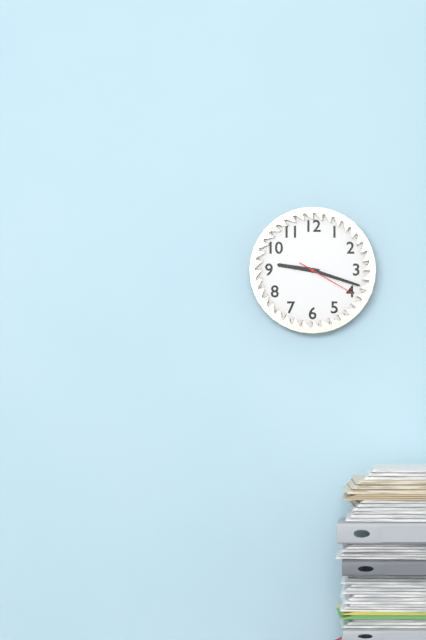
{"hour": 9, "minute": 18, "second": 20}
